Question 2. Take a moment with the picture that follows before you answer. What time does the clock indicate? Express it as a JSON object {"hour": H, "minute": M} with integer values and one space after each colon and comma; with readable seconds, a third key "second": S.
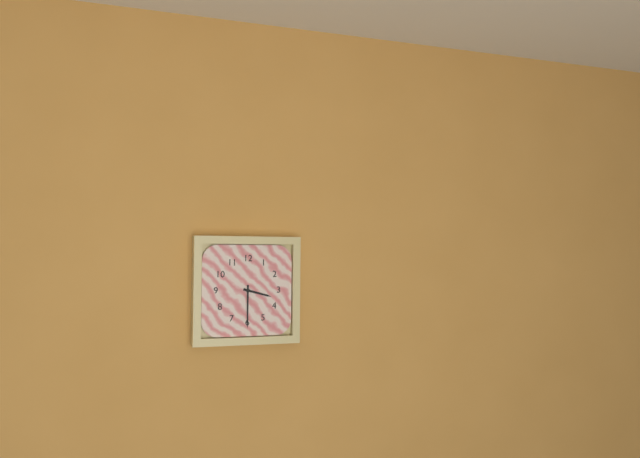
{"hour": 3, "minute": 30}
